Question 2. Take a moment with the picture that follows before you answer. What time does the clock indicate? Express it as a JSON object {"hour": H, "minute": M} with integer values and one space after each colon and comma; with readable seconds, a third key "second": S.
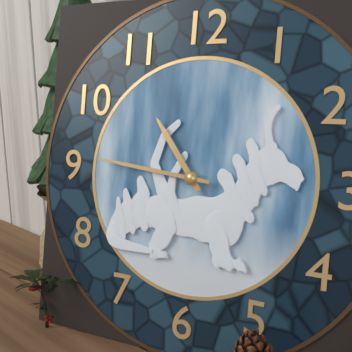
{"hour": 10, "minute": 46}
